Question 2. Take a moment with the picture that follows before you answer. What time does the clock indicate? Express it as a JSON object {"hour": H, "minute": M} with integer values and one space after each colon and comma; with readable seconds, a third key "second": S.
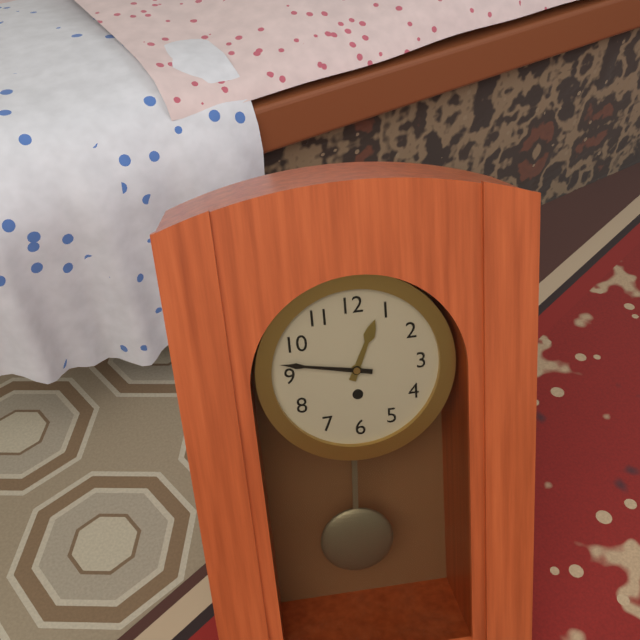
{"hour": 12, "minute": 47}
